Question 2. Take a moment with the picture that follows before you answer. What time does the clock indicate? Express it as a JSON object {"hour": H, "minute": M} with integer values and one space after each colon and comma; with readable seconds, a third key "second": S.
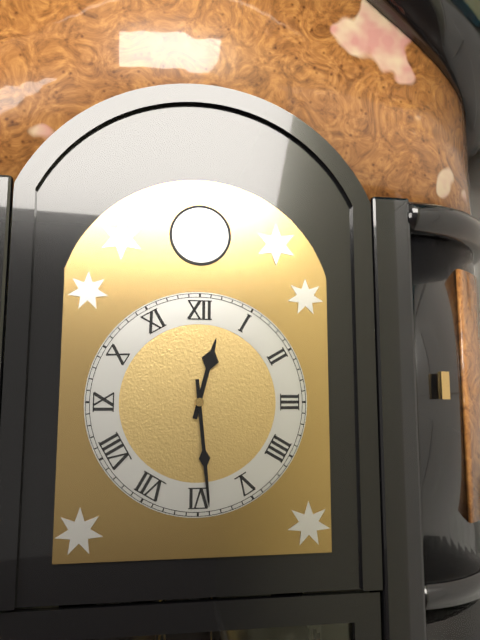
{"hour": 12, "minute": 29}
